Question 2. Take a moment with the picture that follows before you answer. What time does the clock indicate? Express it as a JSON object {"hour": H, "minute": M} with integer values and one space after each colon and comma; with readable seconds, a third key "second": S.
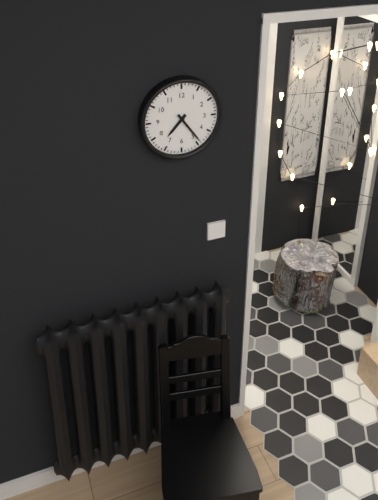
{"hour": 7, "minute": 24}
